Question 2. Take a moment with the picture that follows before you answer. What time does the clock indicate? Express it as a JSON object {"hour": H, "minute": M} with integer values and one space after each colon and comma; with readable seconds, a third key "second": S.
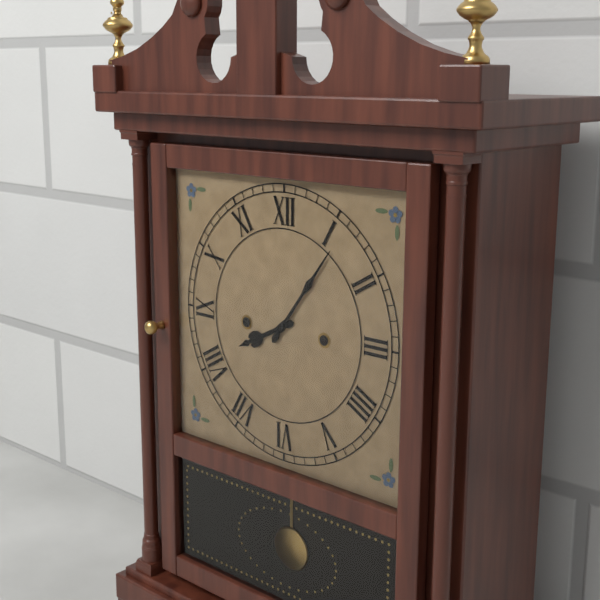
{"hour": 8, "minute": 6}
